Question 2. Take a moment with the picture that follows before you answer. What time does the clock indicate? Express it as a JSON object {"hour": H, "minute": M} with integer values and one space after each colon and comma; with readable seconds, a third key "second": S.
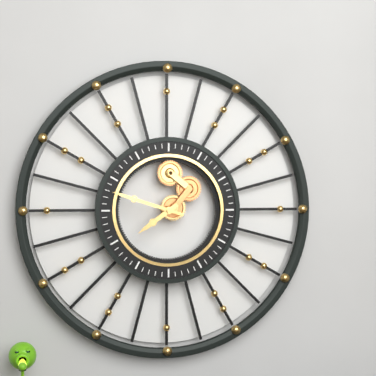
{"hour": 7, "minute": 48}
